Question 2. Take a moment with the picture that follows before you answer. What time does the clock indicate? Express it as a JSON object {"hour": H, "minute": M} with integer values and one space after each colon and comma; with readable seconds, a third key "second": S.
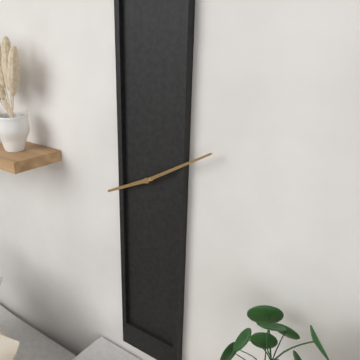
{"hour": 8, "minute": 10}
